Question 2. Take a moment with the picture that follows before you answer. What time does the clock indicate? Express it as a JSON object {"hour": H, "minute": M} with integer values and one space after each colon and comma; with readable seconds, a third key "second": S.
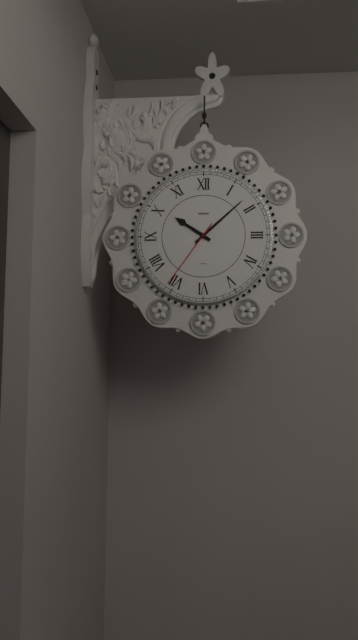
{"hour": 10, "minute": 8, "second": 36}
